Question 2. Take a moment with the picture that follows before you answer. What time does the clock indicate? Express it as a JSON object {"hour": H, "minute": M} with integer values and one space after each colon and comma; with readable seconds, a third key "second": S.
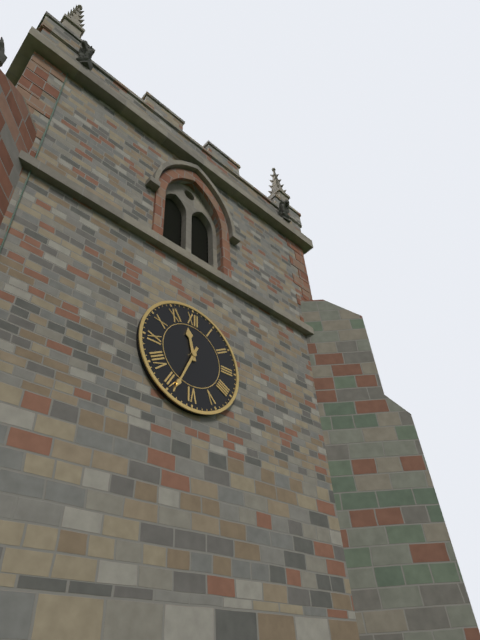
{"hour": 11, "minute": 34}
